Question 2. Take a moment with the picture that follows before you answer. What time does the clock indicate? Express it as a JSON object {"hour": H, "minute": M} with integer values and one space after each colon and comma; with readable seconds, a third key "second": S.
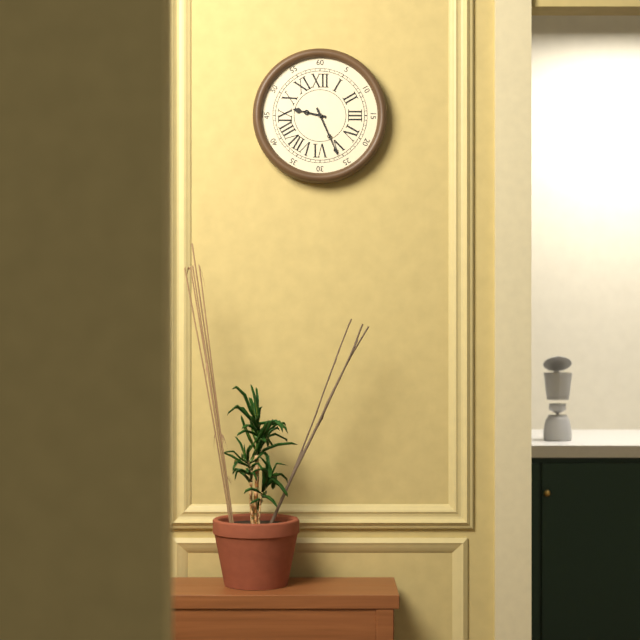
{"hour": 9, "minute": 26}
